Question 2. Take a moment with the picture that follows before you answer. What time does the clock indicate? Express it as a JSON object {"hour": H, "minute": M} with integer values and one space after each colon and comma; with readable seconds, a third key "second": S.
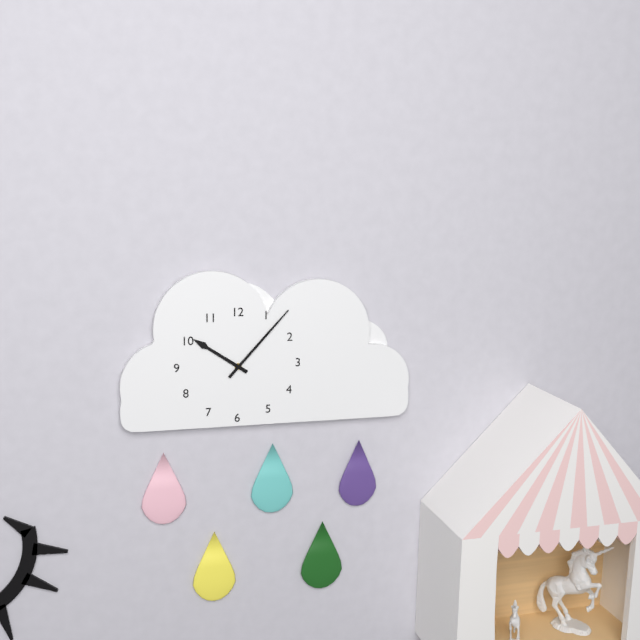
{"hour": 10, "minute": 7}
